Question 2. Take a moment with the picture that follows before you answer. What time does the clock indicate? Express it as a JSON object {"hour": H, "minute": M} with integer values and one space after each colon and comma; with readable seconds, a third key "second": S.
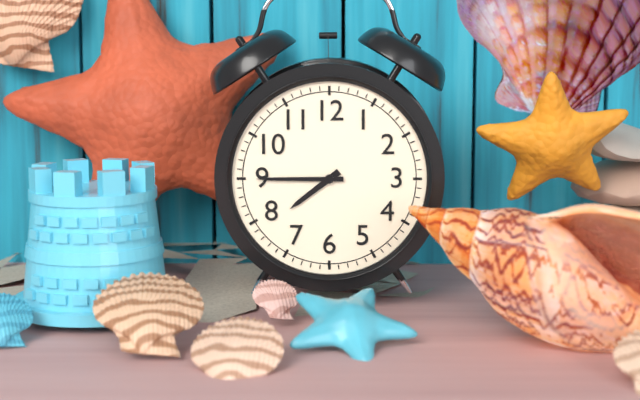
{"hour": 7, "minute": 45}
